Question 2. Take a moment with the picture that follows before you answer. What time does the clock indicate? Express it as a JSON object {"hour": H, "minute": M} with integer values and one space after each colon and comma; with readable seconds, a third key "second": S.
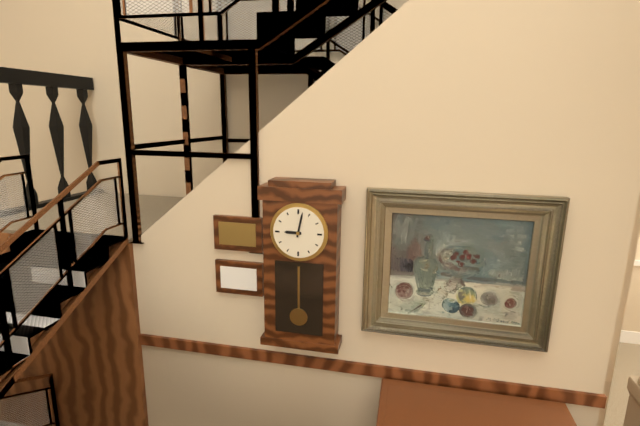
{"hour": 9, "minute": 2}
